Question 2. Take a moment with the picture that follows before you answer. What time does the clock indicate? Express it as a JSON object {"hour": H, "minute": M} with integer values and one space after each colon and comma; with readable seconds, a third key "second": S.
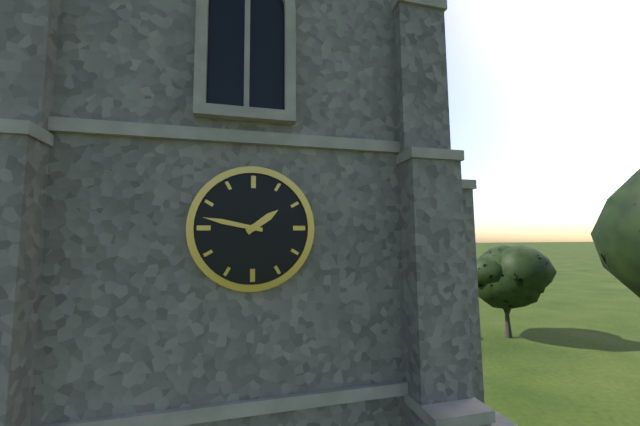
{"hour": 1, "minute": 47}
